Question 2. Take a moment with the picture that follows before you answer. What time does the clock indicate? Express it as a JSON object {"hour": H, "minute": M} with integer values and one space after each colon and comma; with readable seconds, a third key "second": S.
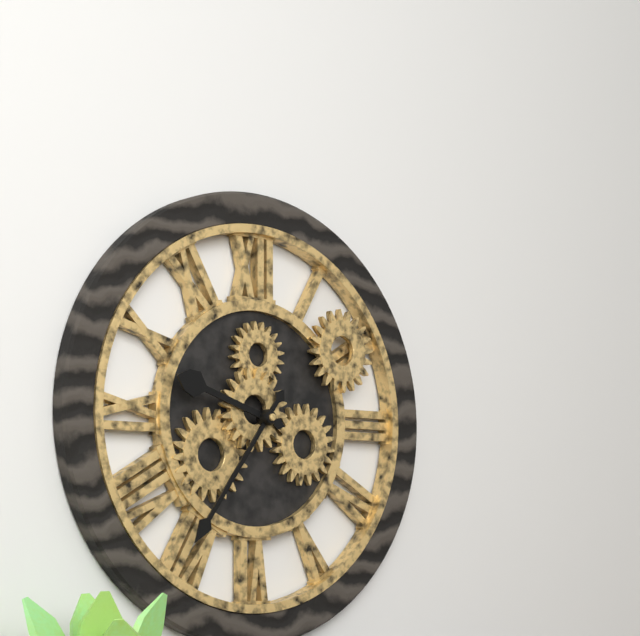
{"hour": 9, "minute": 36}
